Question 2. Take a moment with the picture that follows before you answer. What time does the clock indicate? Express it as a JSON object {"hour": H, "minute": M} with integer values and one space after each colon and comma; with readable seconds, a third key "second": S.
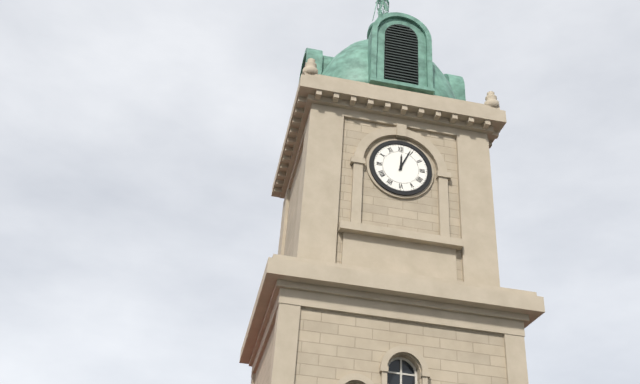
{"hour": 12, "minute": 4}
